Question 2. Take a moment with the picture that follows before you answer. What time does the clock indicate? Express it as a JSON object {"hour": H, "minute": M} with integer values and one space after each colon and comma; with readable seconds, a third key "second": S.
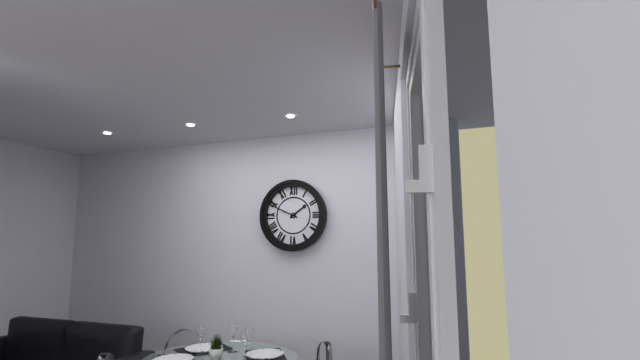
{"hour": 1, "minute": 49}
